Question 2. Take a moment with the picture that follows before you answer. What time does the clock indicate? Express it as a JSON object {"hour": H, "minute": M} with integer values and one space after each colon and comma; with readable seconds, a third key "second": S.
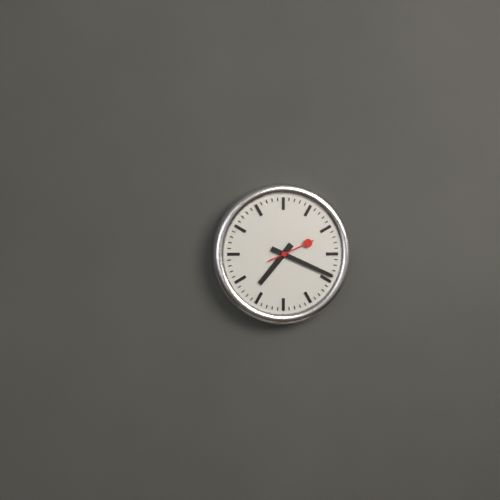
{"hour": 7, "minute": 19}
